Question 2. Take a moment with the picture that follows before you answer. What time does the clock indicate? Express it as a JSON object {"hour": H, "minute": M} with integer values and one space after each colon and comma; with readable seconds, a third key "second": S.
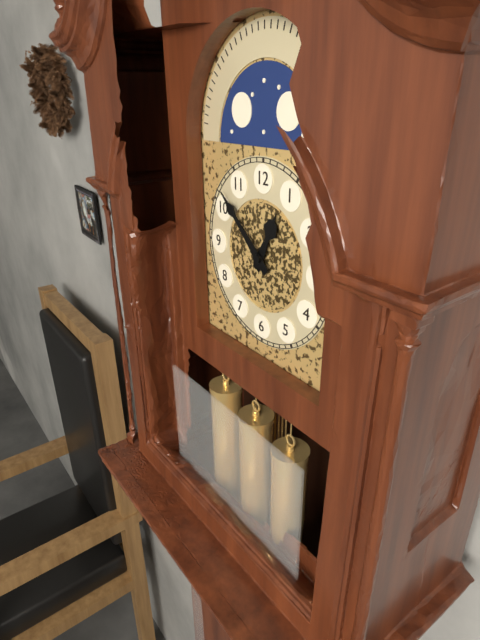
{"hour": 12, "minute": 52}
